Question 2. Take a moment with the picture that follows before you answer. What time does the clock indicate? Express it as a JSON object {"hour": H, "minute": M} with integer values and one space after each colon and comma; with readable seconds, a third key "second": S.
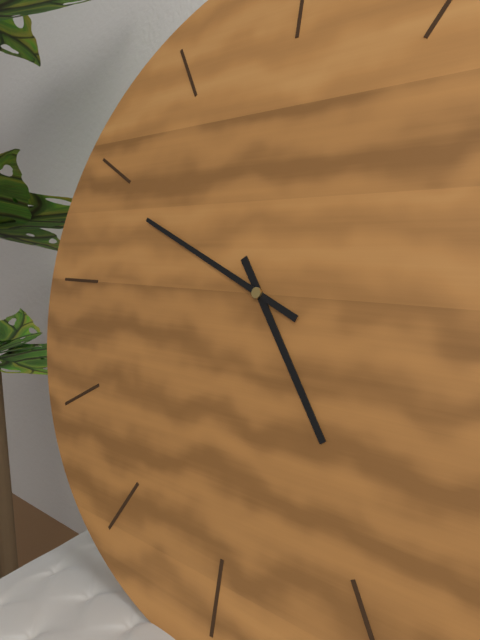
{"hour": 4, "minute": 49}
